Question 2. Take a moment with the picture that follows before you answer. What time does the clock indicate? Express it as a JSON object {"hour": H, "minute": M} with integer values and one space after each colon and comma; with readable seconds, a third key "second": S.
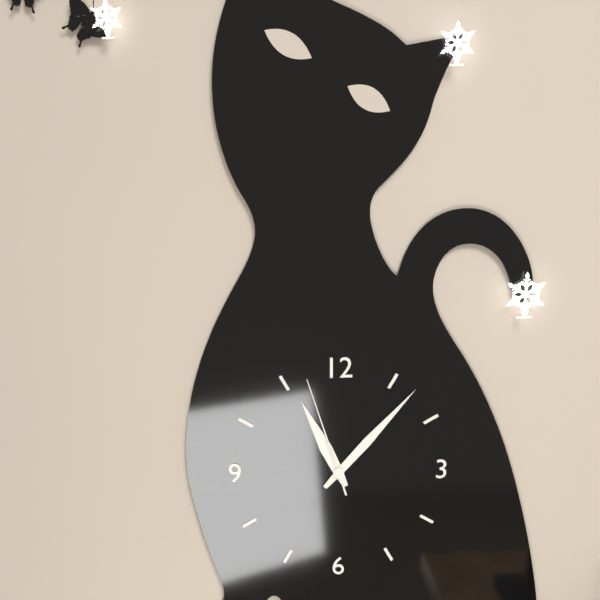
{"hour": 11, "minute": 7, "second": 57}
